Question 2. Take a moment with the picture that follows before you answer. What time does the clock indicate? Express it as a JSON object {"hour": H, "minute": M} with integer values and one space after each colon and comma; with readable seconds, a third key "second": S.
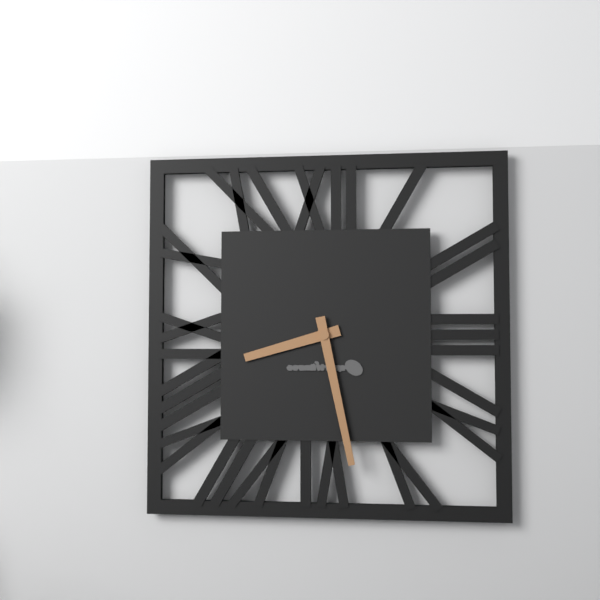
{"hour": 8, "minute": 28}
